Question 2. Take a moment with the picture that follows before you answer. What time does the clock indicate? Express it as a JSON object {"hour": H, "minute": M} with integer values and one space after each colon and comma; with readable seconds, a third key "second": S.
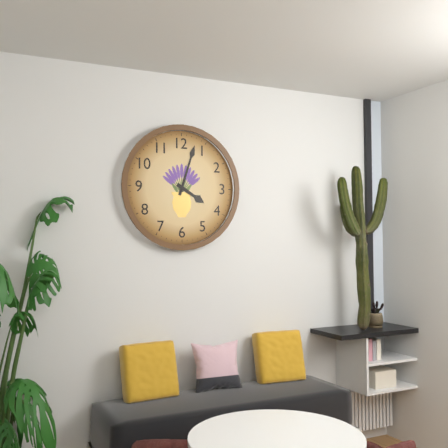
{"hour": 4, "minute": 3}
